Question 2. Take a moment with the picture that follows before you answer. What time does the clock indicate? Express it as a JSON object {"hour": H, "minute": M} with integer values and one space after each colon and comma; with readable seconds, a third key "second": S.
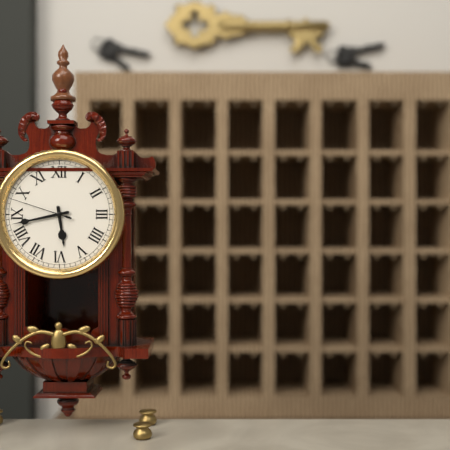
{"hour": 5, "minute": 43, "second": 48}
